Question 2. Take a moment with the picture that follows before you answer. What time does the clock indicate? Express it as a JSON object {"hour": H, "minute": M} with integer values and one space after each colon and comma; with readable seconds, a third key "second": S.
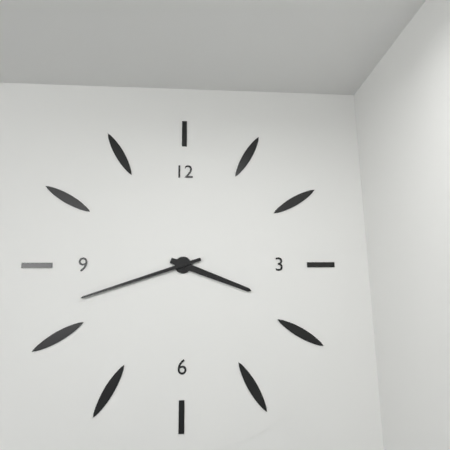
{"hour": 3, "minute": 42}
